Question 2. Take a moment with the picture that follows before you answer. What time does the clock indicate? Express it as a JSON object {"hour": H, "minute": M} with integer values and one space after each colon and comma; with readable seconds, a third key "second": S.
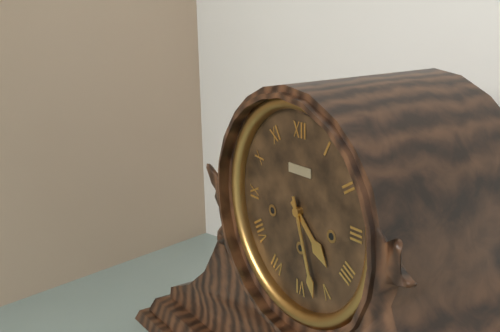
{"hour": 4, "minute": 27}
